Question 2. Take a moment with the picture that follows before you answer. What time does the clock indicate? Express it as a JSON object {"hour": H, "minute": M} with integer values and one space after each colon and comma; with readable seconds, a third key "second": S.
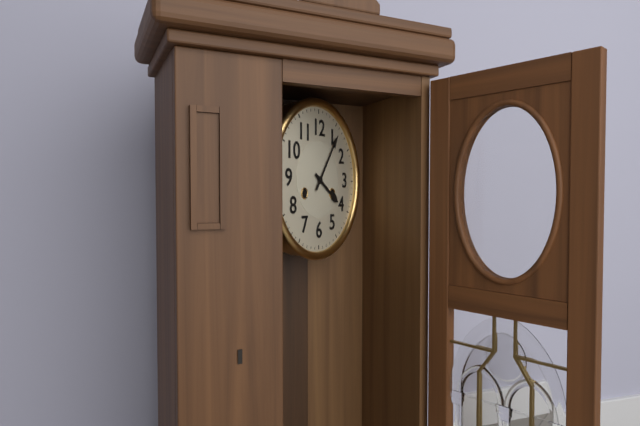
{"hour": 4, "minute": 6}
